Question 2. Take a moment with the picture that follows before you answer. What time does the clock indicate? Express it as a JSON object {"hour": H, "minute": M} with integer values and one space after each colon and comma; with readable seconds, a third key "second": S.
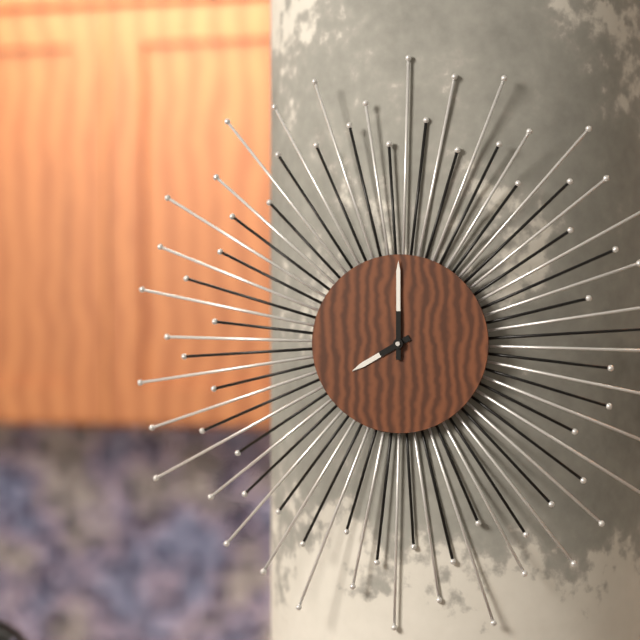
{"hour": 8, "minute": 0}
